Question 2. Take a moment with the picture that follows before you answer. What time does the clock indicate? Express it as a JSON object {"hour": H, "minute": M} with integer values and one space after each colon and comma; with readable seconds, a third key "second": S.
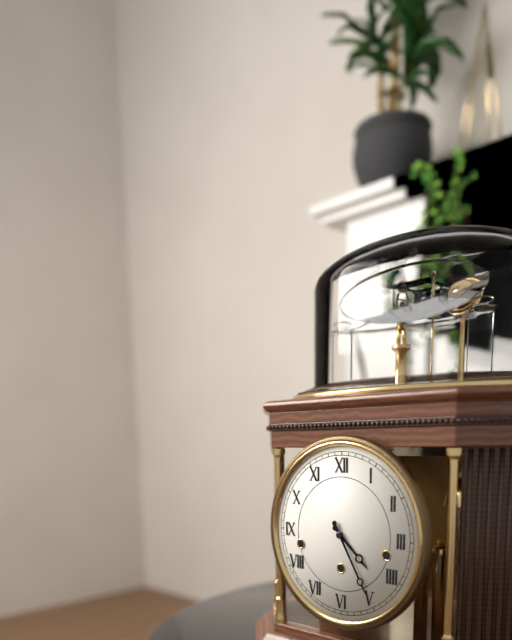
{"hour": 4, "minute": 25}
